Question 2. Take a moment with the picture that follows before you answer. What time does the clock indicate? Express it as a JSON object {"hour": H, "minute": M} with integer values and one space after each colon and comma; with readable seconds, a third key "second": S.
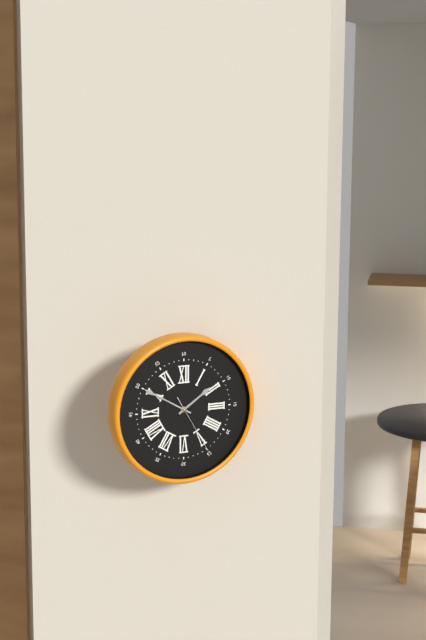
{"hour": 1, "minute": 50, "second": 25}
